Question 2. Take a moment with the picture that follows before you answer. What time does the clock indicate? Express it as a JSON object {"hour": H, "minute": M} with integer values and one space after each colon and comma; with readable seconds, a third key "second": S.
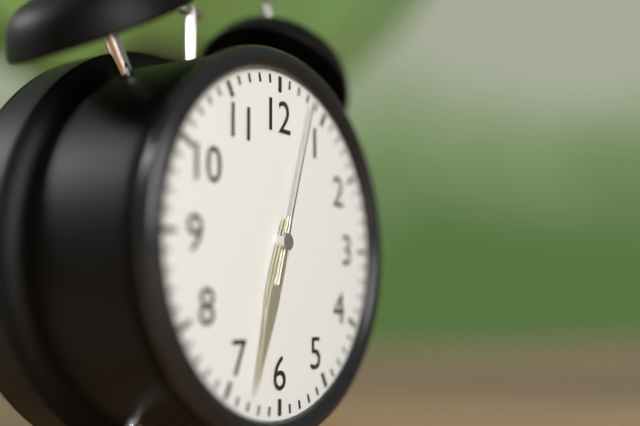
{"hour": 6, "minute": 33, "second": 3}
